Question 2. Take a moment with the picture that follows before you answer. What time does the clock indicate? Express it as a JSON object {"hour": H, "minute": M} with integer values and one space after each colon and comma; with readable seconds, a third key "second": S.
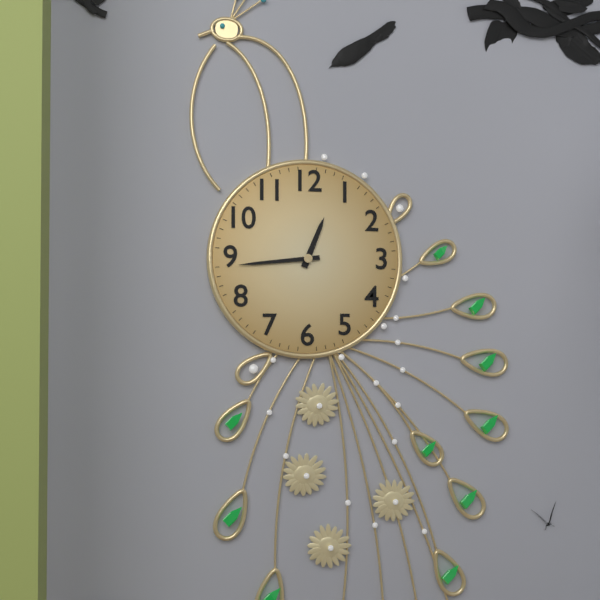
{"hour": 12, "minute": 44}
